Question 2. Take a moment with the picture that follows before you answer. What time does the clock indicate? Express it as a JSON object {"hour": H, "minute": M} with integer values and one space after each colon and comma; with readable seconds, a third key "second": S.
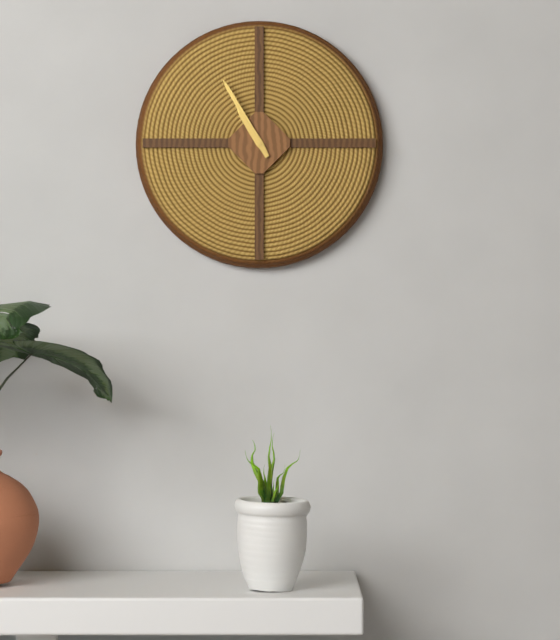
{"hour": 10, "minute": 55}
